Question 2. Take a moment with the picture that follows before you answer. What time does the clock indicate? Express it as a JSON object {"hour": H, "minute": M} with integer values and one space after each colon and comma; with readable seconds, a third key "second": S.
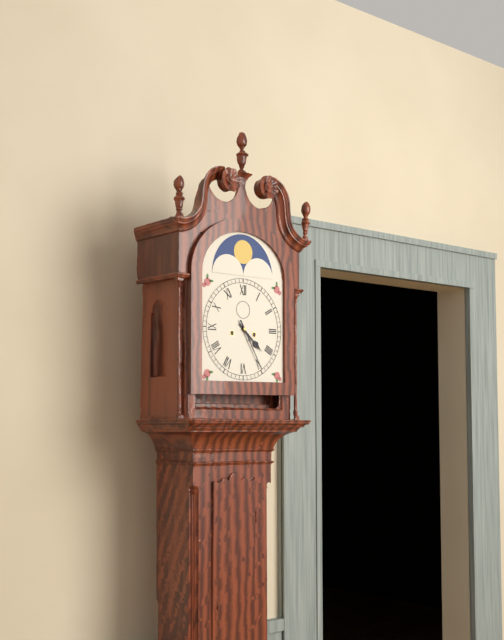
{"hour": 4, "minute": 25}
